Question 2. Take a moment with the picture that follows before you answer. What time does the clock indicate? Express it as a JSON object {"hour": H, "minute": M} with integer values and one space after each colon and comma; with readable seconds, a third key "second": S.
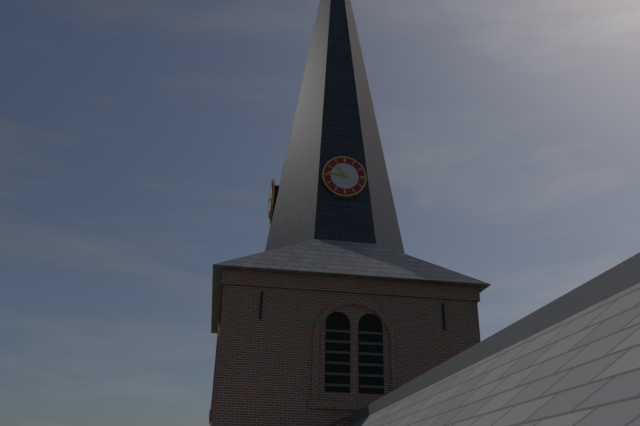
{"hour": 10, "minute": 46}
